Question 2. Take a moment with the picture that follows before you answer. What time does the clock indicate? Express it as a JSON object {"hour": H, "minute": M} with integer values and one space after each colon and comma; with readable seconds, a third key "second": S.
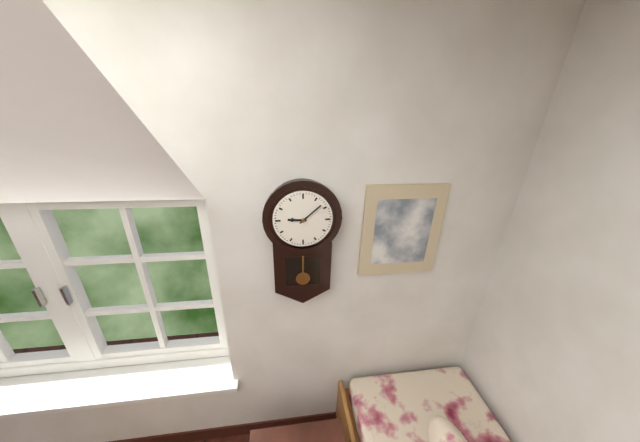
{"hour": 9, "minute": 8}
